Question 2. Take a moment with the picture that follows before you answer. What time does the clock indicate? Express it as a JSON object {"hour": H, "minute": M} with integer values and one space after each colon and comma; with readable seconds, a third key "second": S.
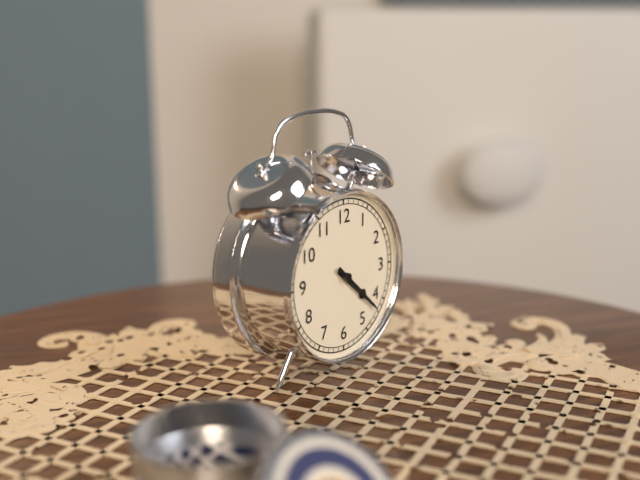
{"hour": 4, "minute": 22}
